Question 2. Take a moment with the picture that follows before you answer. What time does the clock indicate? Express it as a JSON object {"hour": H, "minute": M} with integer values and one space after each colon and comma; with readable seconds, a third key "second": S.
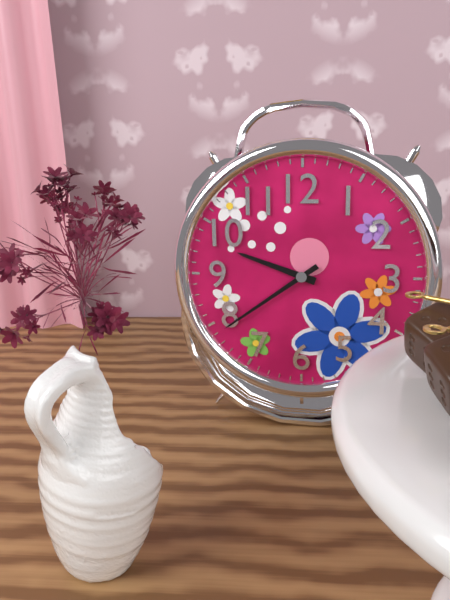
{"hour": 9, "minute": 39}
